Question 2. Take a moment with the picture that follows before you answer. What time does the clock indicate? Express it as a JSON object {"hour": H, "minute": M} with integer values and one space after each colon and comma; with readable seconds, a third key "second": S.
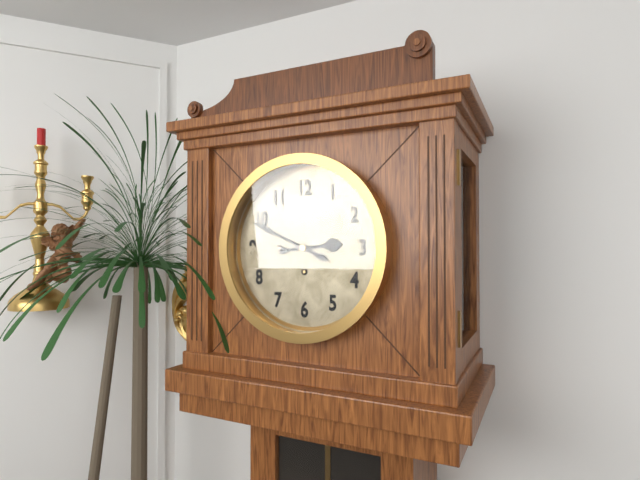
{"hour": 2, "minute": 49}
